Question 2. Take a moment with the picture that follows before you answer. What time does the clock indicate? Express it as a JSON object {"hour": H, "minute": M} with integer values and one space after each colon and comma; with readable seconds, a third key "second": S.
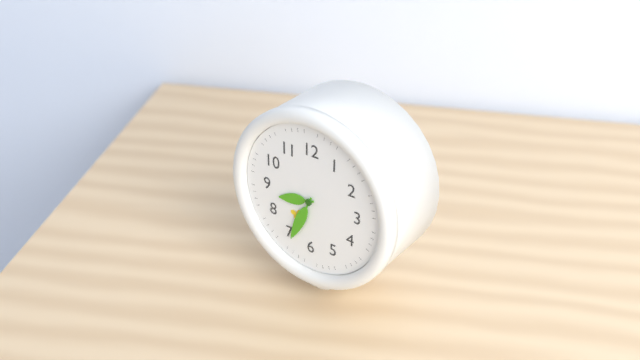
{"hour": 8, "minute": 34}
